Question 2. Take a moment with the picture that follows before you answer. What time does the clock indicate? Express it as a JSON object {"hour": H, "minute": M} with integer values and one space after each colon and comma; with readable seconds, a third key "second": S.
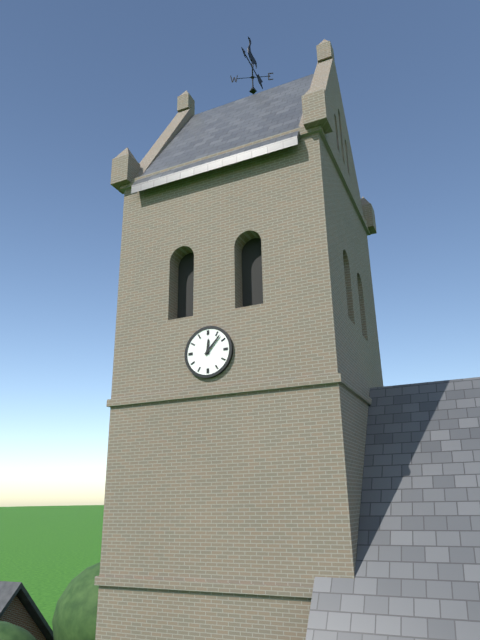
{"hour": 12, "minute": 7}
